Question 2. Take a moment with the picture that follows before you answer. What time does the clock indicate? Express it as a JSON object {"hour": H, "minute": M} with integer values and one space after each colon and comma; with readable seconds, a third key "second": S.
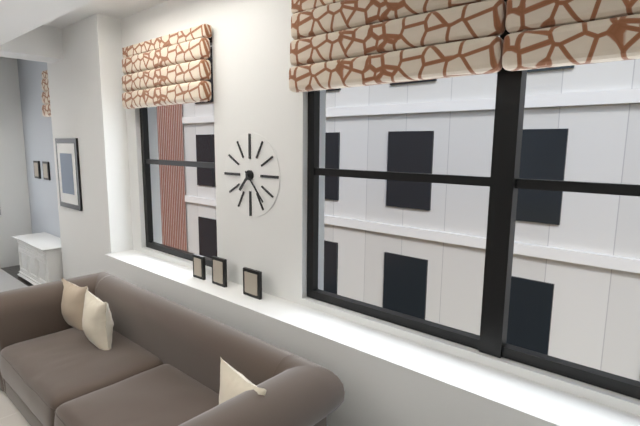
{"hour": 7, "minute": 23}
